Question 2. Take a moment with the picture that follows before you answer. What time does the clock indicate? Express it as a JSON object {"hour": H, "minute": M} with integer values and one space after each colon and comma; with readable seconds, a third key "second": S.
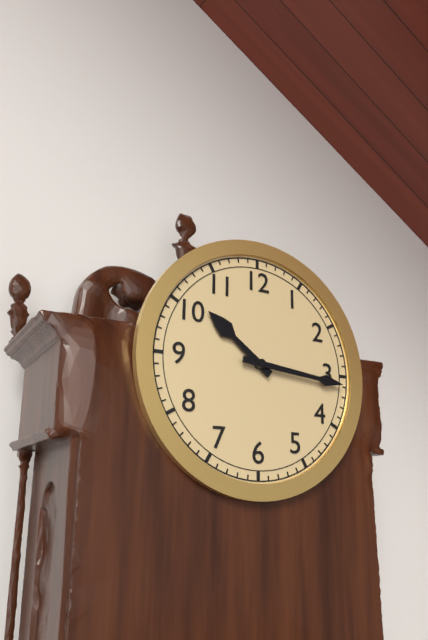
{"hour": 10, "minute": 16}
